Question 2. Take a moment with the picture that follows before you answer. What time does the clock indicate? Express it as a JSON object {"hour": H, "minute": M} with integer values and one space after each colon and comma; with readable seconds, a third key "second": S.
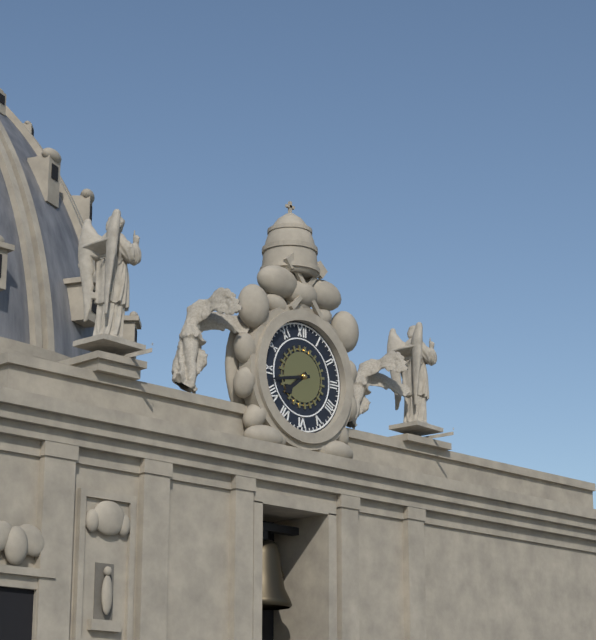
{"hour": 7, "minute": 43}
